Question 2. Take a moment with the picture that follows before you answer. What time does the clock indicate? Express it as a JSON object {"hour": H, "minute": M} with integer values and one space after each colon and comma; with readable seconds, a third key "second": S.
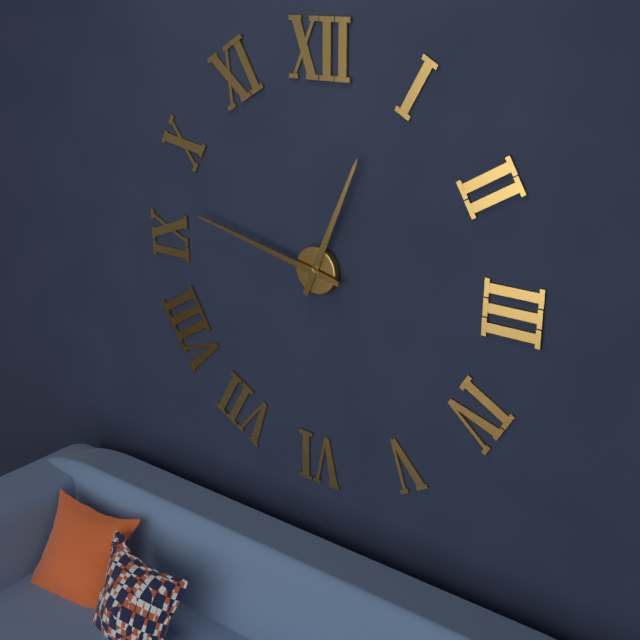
{"hour": 12, "minute": 47}
